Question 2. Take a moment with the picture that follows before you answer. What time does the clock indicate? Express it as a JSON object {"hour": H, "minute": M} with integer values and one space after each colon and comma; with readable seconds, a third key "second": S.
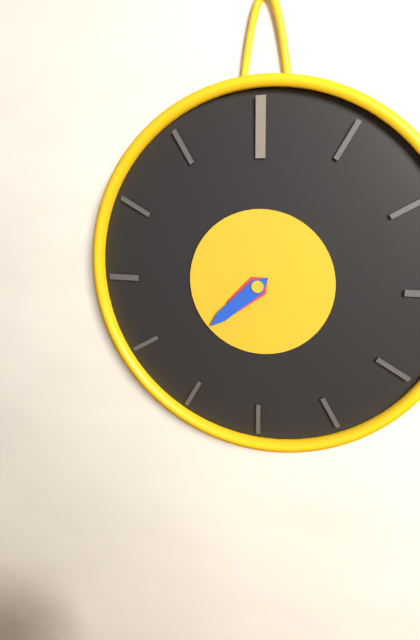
{"hour": 7, "minute": 38}
